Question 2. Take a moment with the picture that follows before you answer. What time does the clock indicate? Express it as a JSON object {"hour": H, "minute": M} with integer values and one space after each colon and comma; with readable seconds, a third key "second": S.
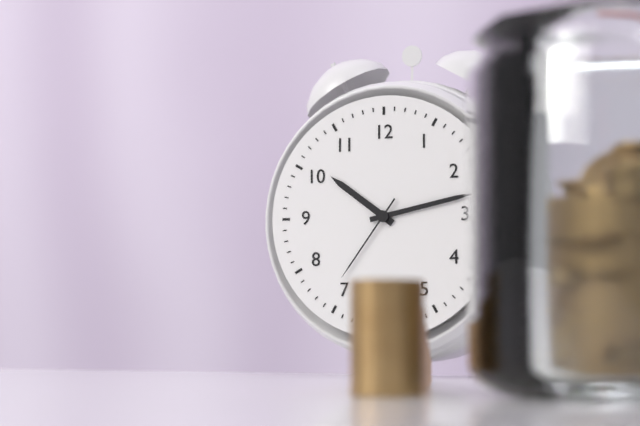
{"hour": 10, "minute": 13, "second": 36}
